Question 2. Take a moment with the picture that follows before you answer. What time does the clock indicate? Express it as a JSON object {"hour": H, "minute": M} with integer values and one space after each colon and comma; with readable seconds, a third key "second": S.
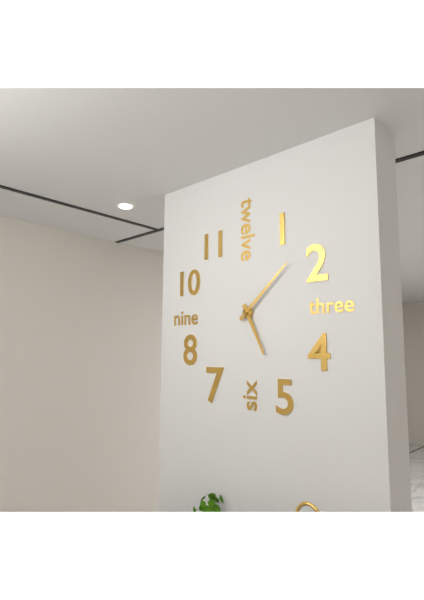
{"hour": 5, "minute": 8}
